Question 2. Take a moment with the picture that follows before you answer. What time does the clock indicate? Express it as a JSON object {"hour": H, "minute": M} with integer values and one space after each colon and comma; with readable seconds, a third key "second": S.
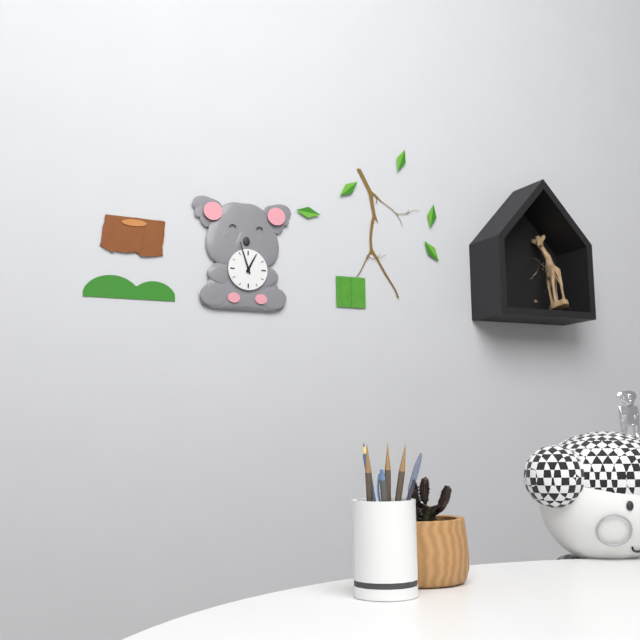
{"hour": 12, "minute": 57}
